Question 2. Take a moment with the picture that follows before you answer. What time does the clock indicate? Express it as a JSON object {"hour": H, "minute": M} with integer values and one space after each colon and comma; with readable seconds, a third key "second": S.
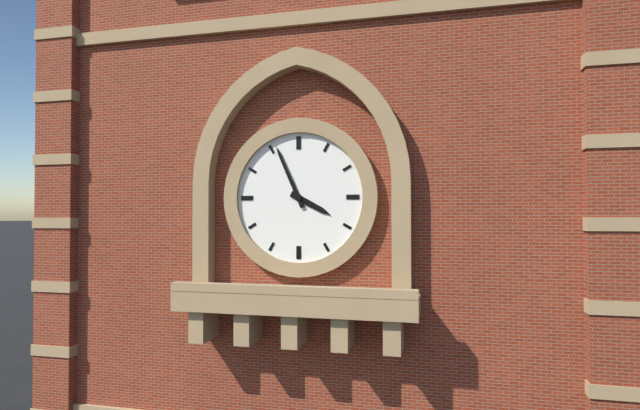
{"hour": 3, "minute": 56}
